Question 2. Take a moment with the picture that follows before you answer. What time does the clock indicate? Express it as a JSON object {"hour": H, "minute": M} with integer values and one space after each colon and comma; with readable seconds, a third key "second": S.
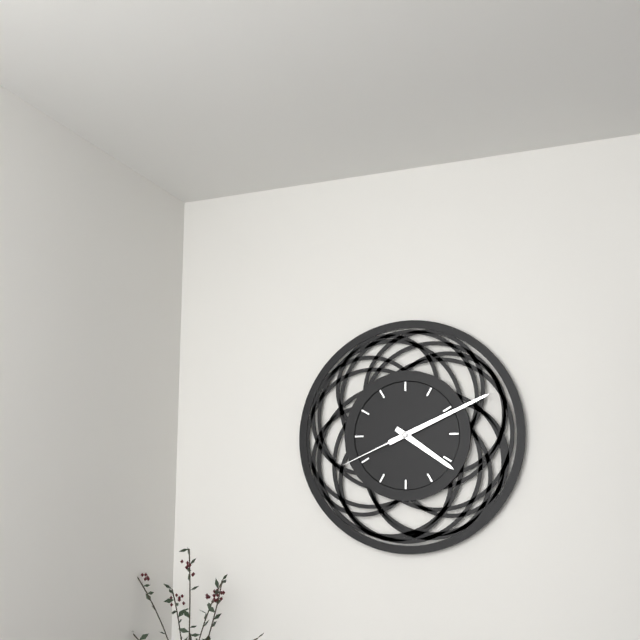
{"hour": 4, "minute": 11, "second": 41}
